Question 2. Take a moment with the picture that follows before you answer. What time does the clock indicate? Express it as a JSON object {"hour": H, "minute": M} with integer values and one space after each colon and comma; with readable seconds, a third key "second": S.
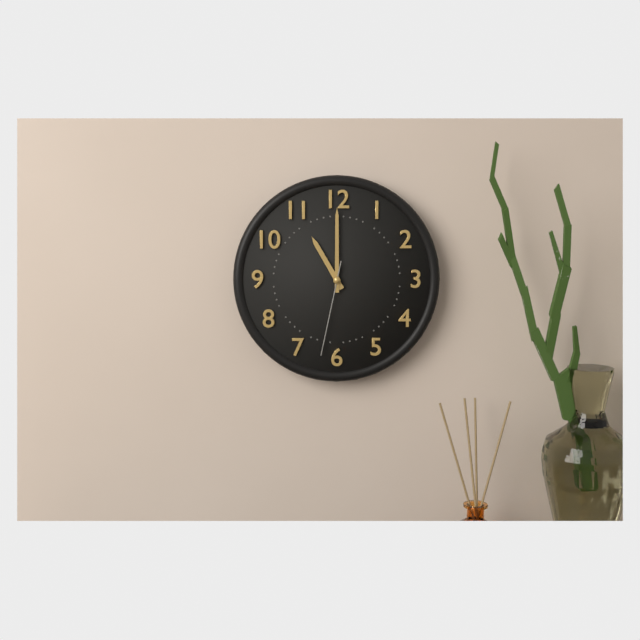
{"hour": 11, "minute": 0, "second": 32}
